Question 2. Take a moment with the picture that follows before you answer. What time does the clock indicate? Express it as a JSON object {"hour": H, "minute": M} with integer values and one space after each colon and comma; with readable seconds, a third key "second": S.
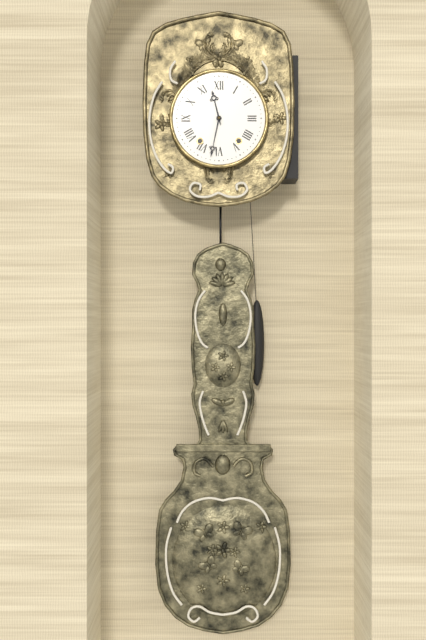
{"hour": 11, "minute": 32}
